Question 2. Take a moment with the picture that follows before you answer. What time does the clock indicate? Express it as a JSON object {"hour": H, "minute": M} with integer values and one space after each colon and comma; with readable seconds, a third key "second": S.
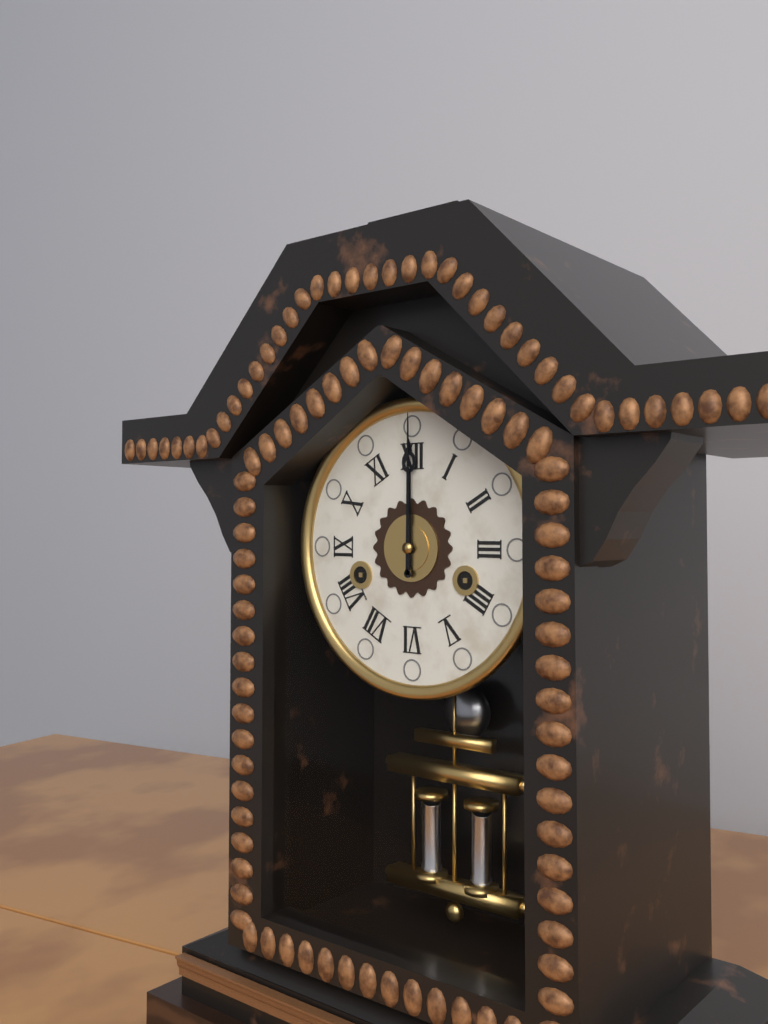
{"hour": 12, "minute": 0}
